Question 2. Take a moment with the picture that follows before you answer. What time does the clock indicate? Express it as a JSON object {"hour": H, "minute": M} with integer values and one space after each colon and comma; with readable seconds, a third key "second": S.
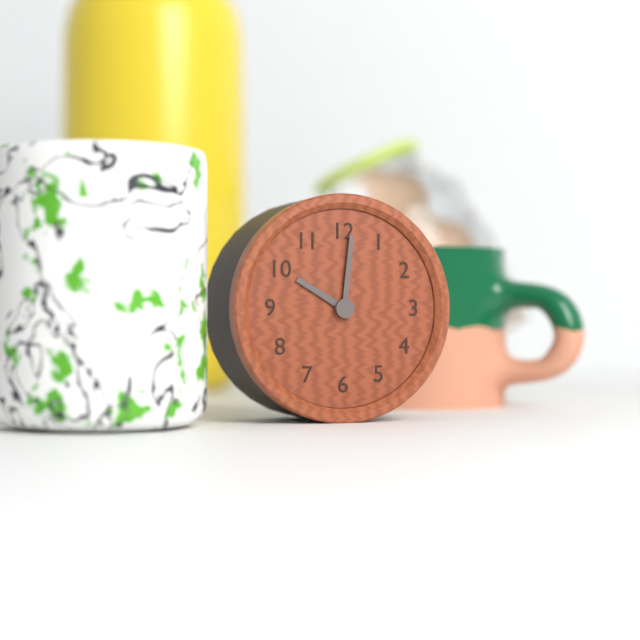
{"hour": 10, "minute": 1}
